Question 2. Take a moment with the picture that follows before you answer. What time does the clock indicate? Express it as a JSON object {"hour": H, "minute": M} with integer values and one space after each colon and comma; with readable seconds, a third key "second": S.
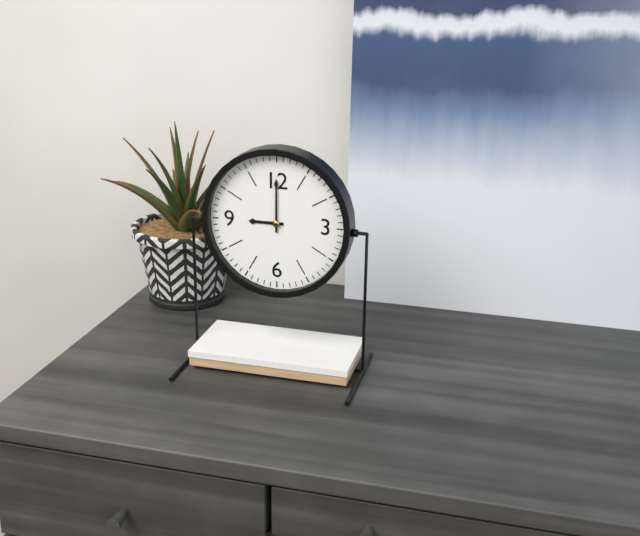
{"hour": 9, "minute": 0}
